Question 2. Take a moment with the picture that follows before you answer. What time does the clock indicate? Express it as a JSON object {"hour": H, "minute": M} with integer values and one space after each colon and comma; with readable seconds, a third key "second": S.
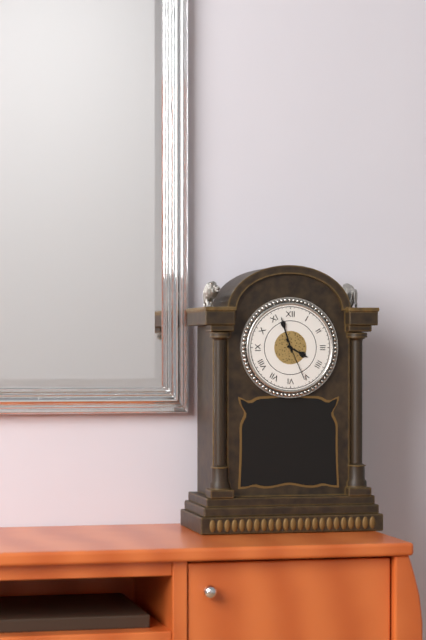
{"hour": 3, "minute": 57}
